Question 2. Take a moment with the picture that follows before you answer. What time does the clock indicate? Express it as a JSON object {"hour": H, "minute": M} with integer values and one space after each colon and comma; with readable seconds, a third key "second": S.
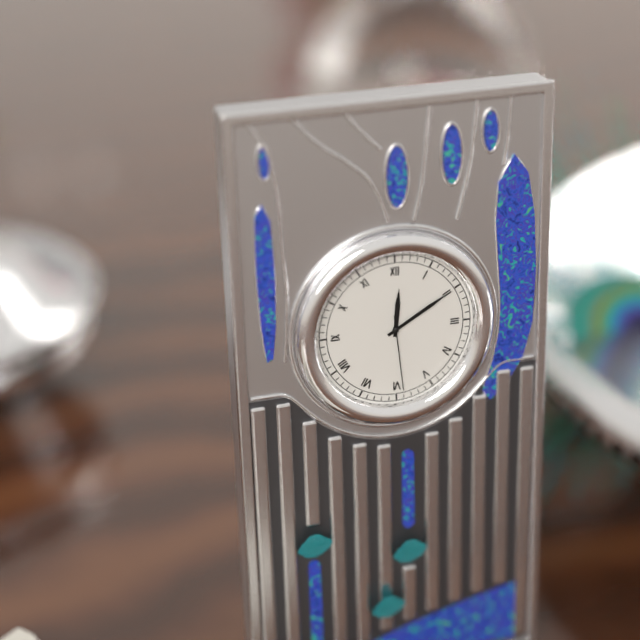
{"hour": 12, "minute": 10, "second": 29}
